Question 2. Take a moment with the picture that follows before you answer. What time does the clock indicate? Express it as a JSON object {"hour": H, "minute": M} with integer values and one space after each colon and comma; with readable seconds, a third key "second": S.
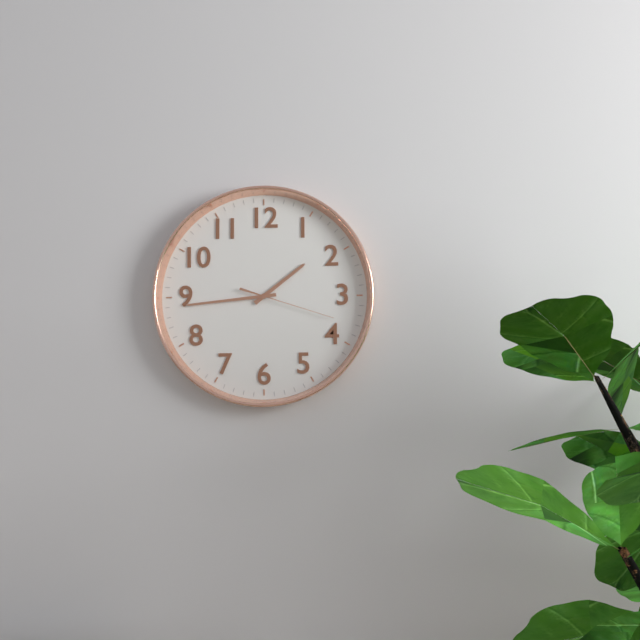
{"hour": 1, "minute": 44, "second": 18}
